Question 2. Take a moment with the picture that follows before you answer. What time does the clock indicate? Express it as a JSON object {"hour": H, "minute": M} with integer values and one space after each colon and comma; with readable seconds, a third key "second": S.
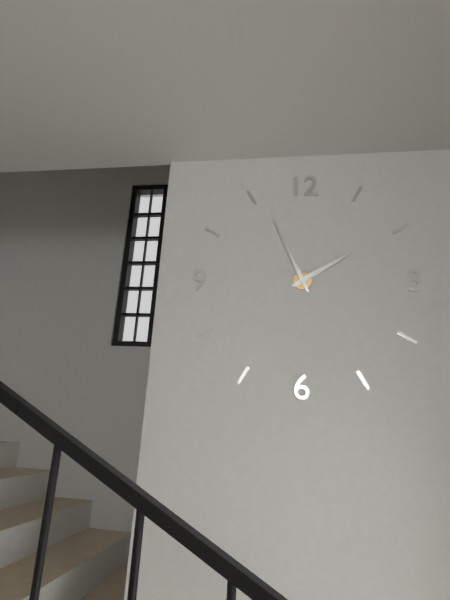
{"hour": 1, "minute": 56}
